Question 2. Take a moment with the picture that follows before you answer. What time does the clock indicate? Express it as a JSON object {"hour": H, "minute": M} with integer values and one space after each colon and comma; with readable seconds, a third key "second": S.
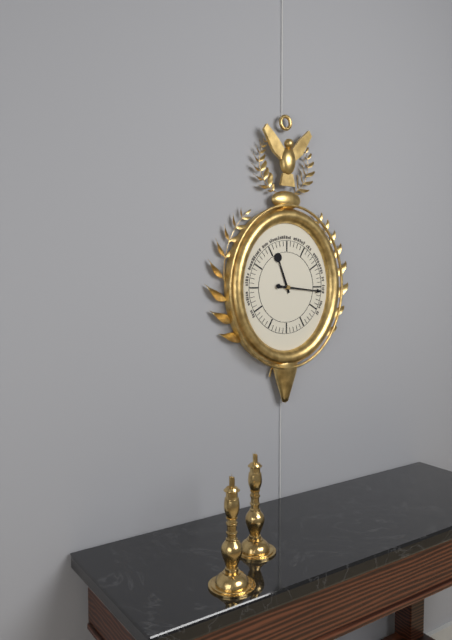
{"hour": 11, "minute": 16}
